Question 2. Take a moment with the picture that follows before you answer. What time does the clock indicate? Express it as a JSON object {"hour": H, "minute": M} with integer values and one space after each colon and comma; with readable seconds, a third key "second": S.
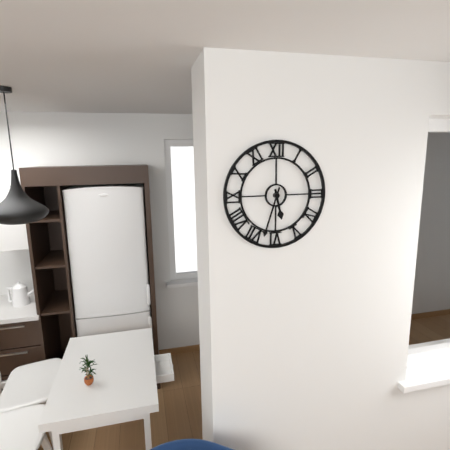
{"hour": 5, "minute": 33}
